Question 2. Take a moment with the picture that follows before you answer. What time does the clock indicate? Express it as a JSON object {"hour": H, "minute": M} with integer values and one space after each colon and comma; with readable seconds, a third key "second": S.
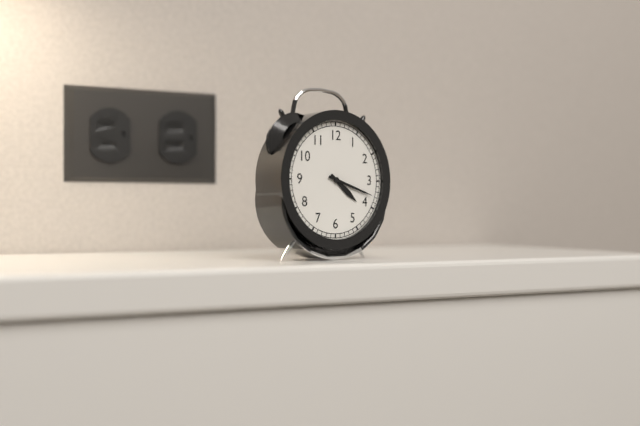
{"hour": 4, "minute": 18}
